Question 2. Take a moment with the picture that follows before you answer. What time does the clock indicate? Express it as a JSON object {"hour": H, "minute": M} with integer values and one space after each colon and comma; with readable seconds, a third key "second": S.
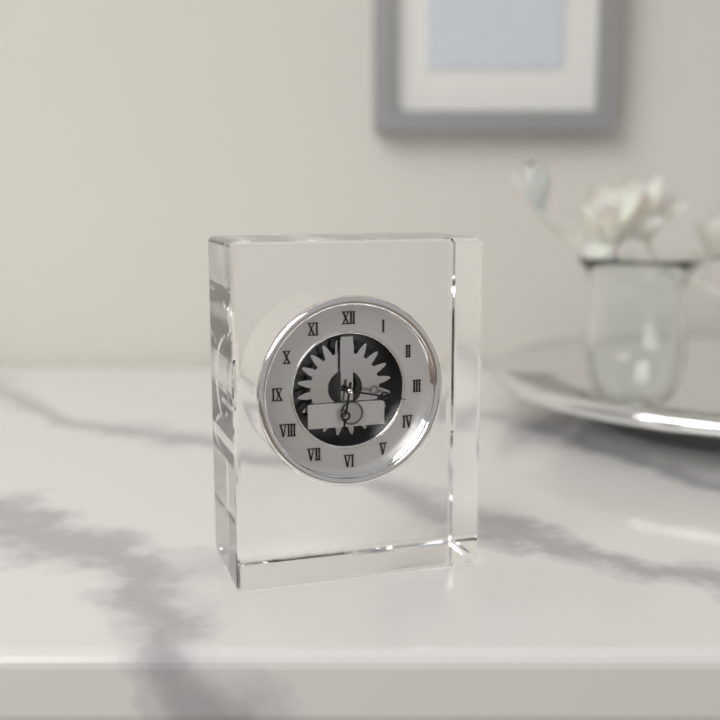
{"hour": 6, "minute": 17}
